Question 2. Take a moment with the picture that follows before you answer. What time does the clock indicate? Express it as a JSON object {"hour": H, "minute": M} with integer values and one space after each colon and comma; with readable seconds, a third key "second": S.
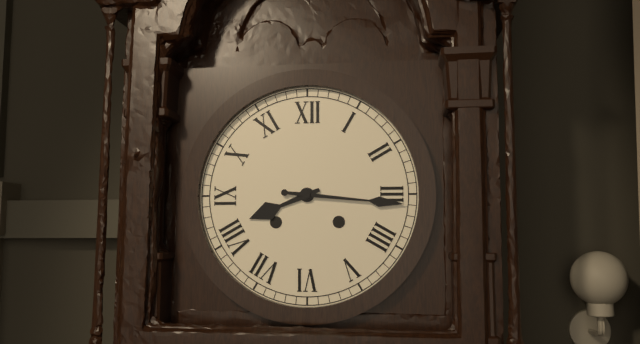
{"hour": 8, "minute": 16}
